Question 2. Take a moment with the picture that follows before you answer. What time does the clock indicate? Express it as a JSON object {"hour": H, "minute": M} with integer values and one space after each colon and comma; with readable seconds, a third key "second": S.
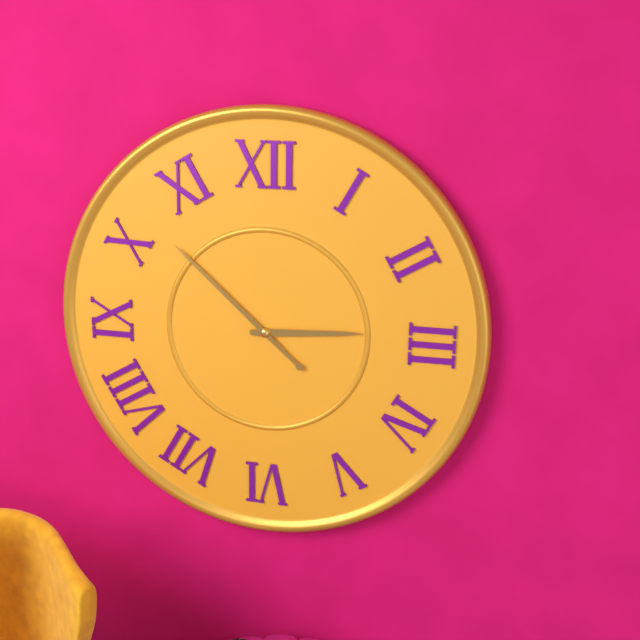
{"hour": 2, "minute": 52}
